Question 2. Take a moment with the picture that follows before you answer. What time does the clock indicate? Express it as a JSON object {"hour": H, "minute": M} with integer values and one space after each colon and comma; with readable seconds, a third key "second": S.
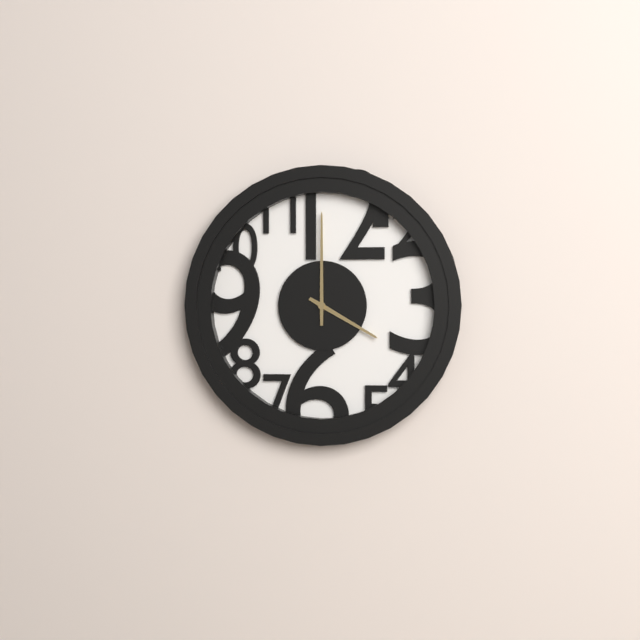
{"hour": 4, "minute": 0}
